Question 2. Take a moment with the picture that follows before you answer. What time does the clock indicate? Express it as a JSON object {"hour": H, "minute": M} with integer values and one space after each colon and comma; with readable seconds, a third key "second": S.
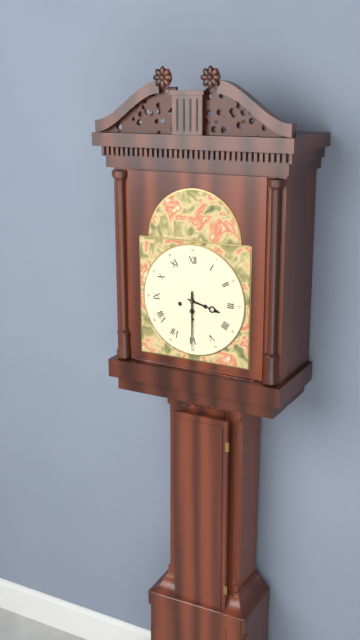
{"hour": 3, "minute": 30}
